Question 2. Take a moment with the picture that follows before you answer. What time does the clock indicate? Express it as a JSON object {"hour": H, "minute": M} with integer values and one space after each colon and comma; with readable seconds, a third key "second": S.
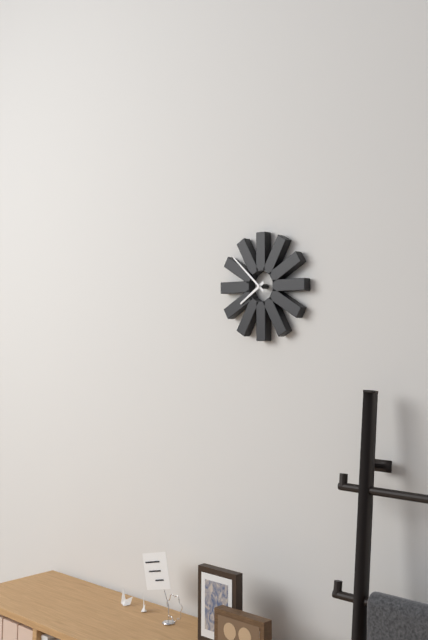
{"hour": 7, "minute": 52}
